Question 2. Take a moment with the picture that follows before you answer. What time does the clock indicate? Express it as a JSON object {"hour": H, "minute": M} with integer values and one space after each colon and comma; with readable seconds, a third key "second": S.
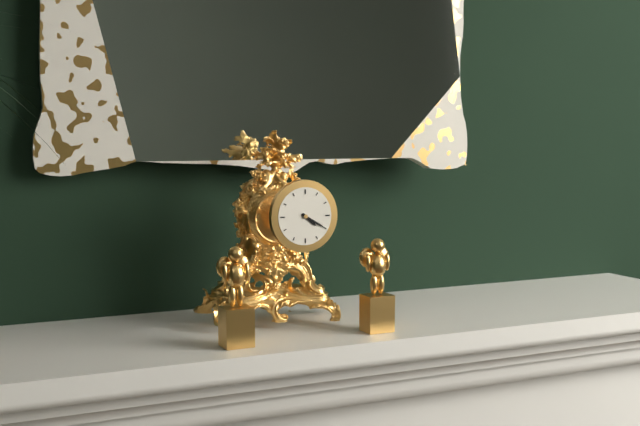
{"hour": 4, "minute": 20}
